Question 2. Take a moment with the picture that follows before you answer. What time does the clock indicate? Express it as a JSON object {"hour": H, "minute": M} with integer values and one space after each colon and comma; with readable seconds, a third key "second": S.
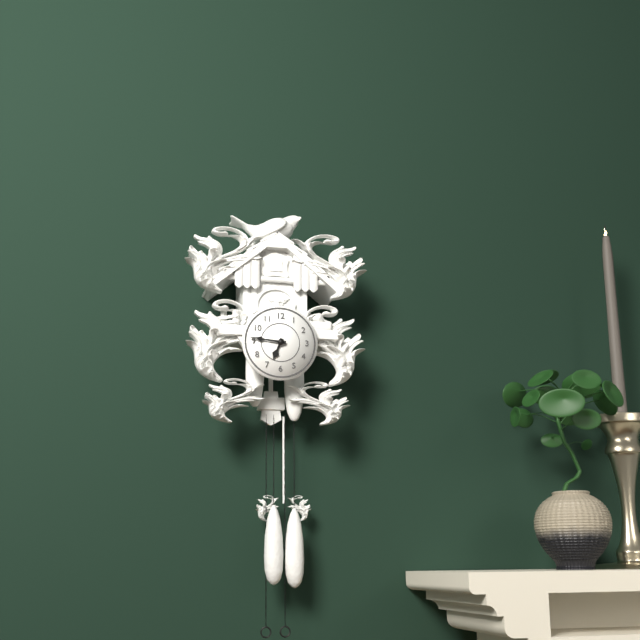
{"hour": 6, "minute": 46}
